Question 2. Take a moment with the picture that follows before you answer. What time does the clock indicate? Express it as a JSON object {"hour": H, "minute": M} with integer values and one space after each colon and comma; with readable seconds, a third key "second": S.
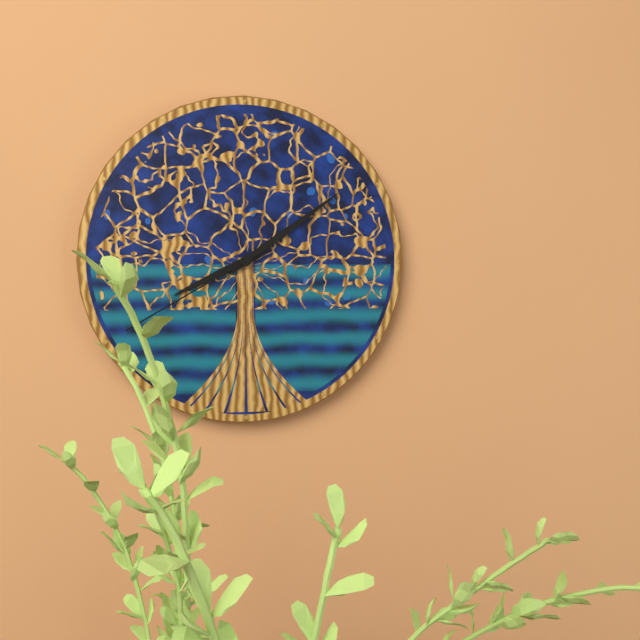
{"hour": 8, "minute": 9, "second": 40}
